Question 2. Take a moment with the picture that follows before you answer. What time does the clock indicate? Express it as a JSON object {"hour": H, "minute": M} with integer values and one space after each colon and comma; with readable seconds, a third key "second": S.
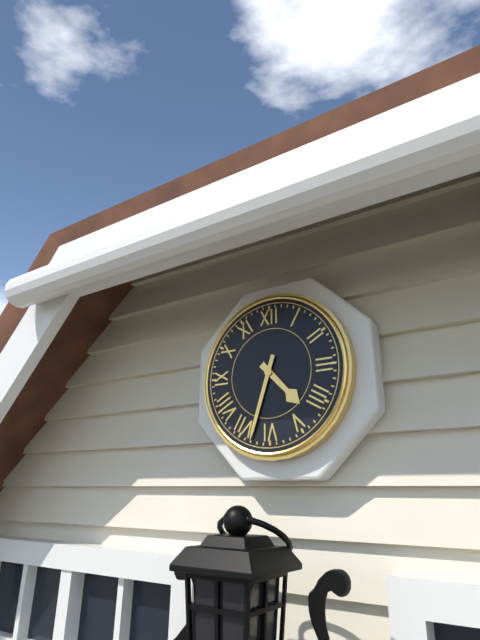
{"hour": 4, "minute": 33}
